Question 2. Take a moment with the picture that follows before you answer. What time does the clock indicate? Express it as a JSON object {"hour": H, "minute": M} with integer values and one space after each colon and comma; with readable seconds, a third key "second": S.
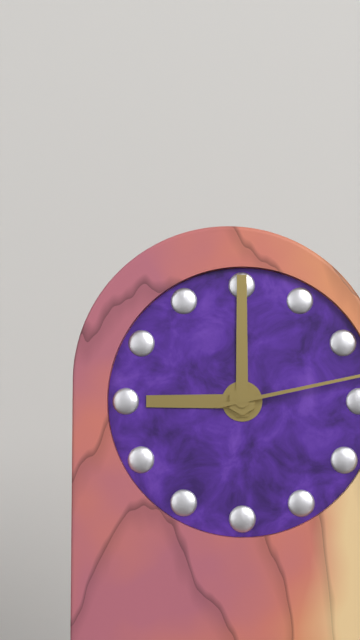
{"hour": 9, "minute": 0}
